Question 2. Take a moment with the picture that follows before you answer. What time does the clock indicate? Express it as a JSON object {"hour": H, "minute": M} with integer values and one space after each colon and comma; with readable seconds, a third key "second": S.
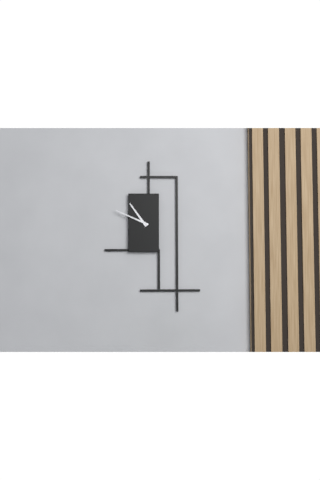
{"hour": 10, "minute": 49}
